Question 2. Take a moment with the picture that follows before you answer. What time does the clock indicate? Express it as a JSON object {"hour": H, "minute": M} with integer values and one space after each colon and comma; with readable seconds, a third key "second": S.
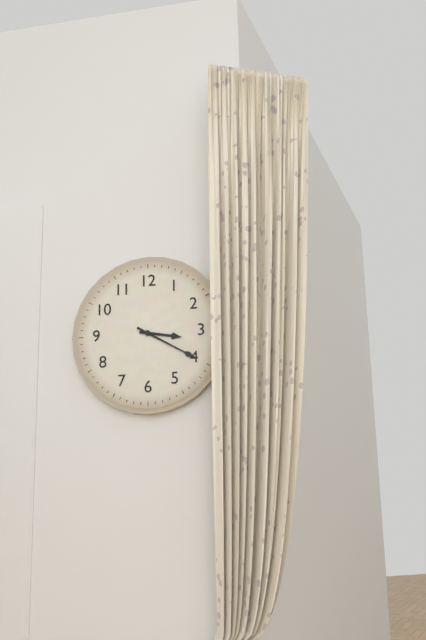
{"hour": 3, "minute": 20}
